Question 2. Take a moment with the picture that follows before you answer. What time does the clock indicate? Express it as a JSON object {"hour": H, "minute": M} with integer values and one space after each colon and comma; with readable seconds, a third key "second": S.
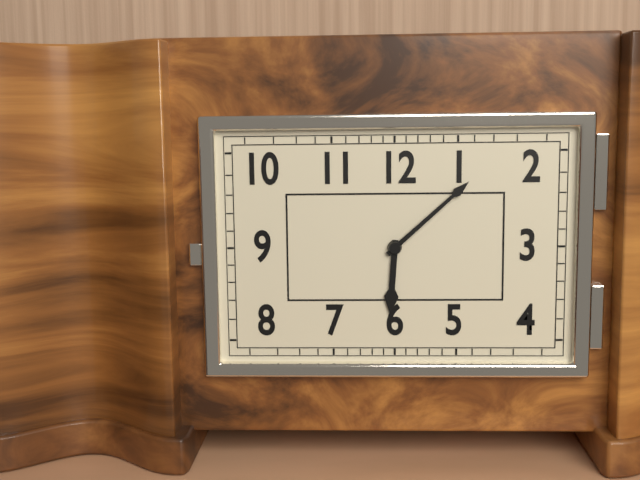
{"hour": 6, "minute": 8}
